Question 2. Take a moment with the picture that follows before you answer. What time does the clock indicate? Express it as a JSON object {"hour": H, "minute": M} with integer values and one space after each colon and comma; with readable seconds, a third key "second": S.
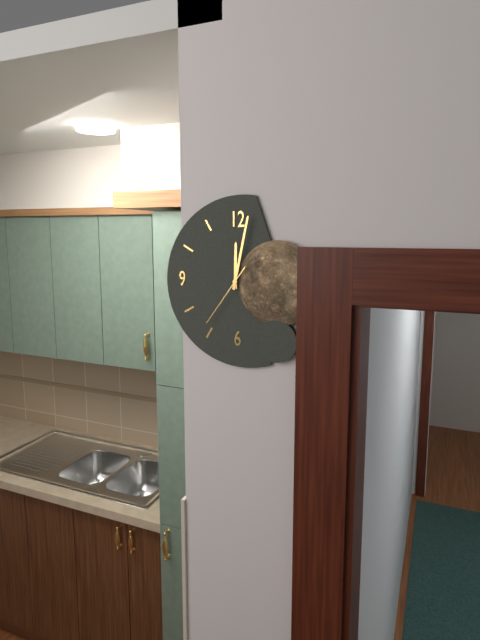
{"hour": 12, "minute": 2, "second": 36}
